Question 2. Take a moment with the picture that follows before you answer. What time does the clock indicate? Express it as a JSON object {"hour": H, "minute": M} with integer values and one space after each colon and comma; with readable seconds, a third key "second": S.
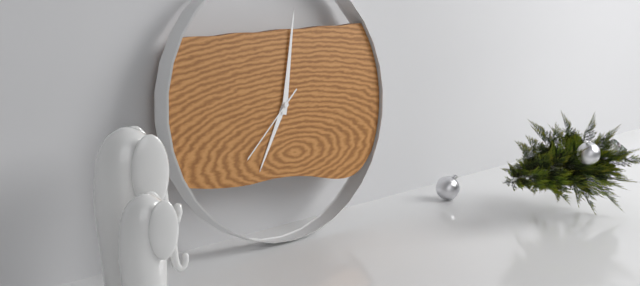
{"hour": 7, "minute": 2, "second": 38}
